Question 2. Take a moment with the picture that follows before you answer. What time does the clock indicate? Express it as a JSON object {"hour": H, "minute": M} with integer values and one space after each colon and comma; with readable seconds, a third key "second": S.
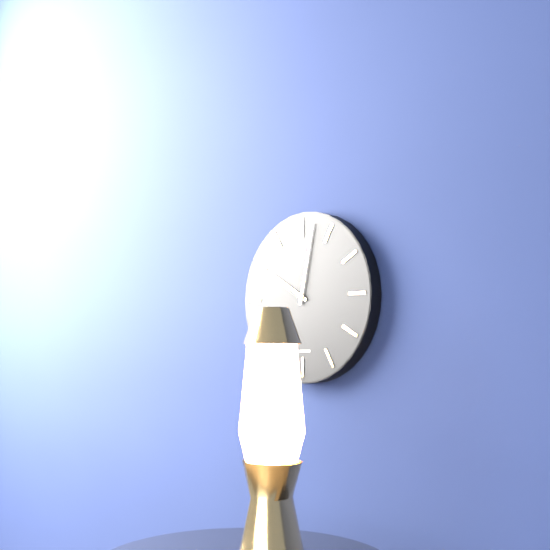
{"hour": 10, "minute": 2}
